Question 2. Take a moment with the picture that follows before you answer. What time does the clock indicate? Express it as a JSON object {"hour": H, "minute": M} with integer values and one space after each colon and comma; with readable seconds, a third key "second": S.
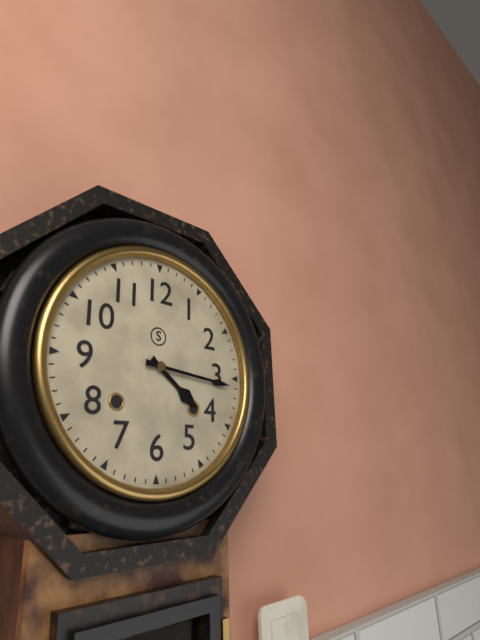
{"hour": 4, "minute": 16}
